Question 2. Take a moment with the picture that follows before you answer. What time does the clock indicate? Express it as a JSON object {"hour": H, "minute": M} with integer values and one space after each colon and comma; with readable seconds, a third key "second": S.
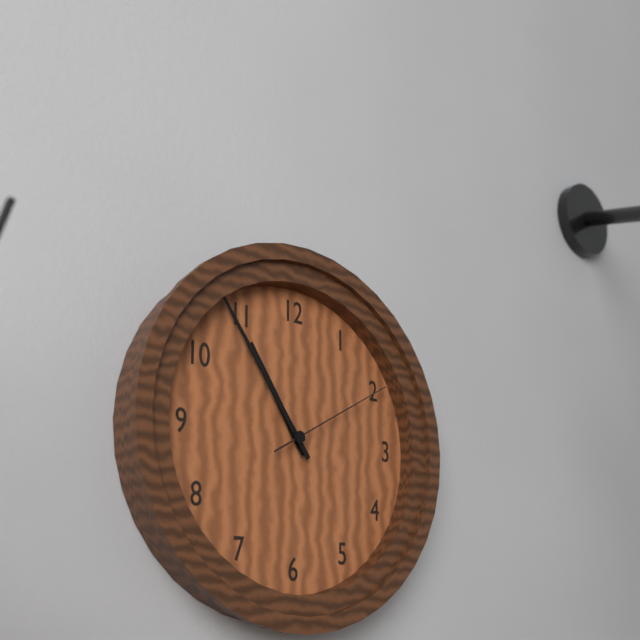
{"hour": 10, "minute": 54, "second": 10}
